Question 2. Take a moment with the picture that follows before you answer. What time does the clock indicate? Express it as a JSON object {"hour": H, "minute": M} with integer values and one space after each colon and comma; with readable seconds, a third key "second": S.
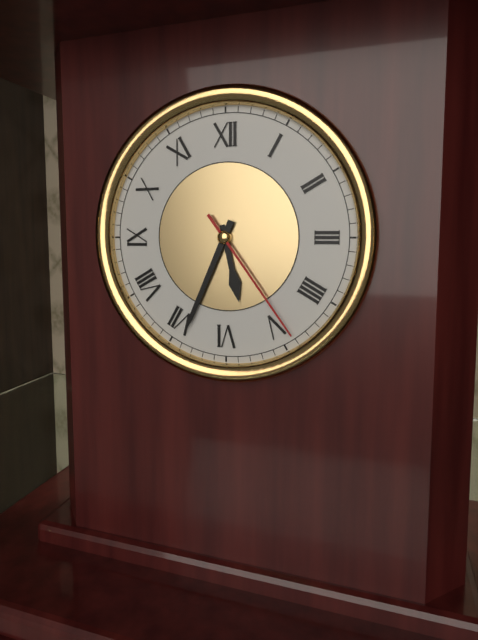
{"hour": 5, "minute": 34, "second": 24}
